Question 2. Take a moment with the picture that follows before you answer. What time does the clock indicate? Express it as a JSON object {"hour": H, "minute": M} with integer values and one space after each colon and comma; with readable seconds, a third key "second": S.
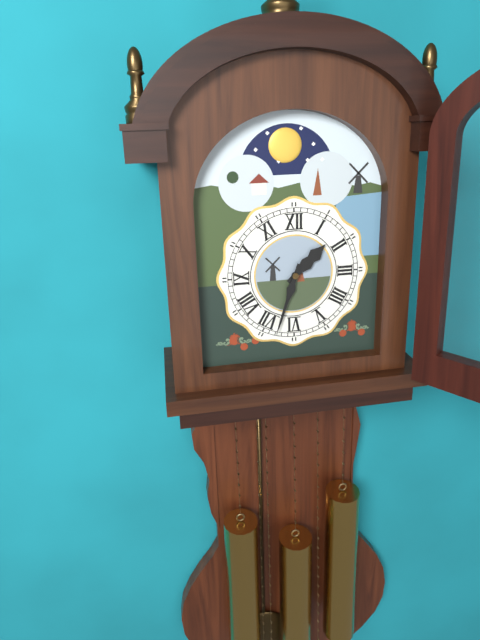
{"hour": 1, "minute": 33}
